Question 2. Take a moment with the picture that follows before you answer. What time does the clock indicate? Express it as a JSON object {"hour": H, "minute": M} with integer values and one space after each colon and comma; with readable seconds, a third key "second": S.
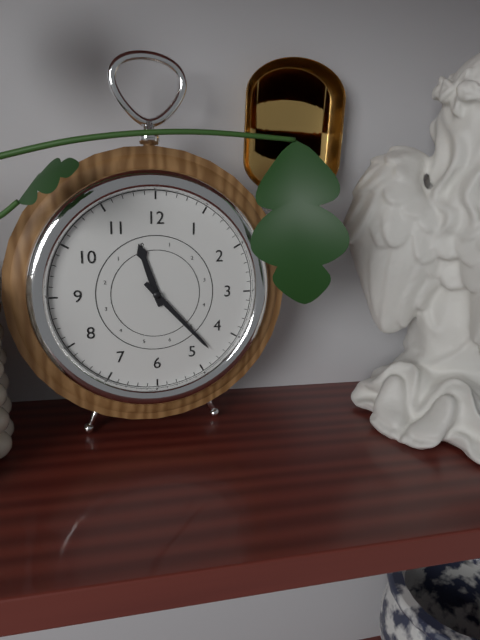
{"hour": 11, "minute": 23}
